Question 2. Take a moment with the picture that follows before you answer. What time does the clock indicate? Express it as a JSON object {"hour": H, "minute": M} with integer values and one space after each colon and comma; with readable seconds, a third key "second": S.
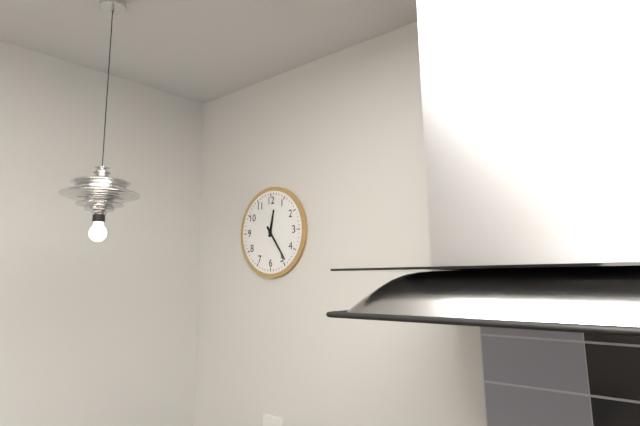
{"hour": 12, "minute": 24}
